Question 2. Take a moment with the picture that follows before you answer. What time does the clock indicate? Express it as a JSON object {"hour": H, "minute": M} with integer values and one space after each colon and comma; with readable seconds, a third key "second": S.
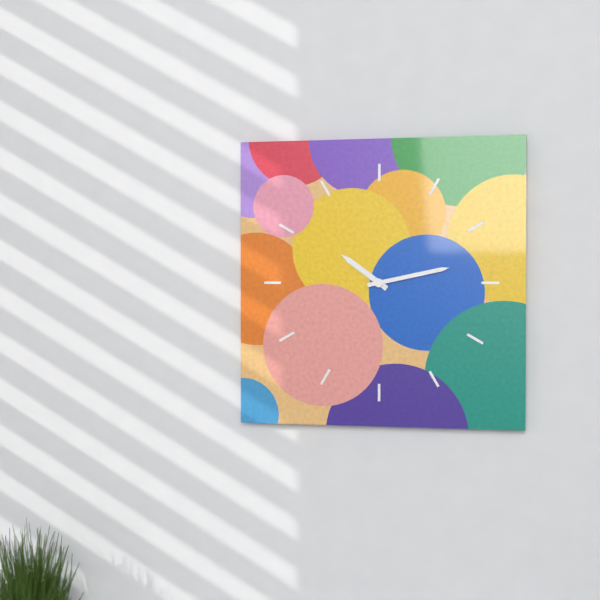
{"hour": 10, "minute": 13}
